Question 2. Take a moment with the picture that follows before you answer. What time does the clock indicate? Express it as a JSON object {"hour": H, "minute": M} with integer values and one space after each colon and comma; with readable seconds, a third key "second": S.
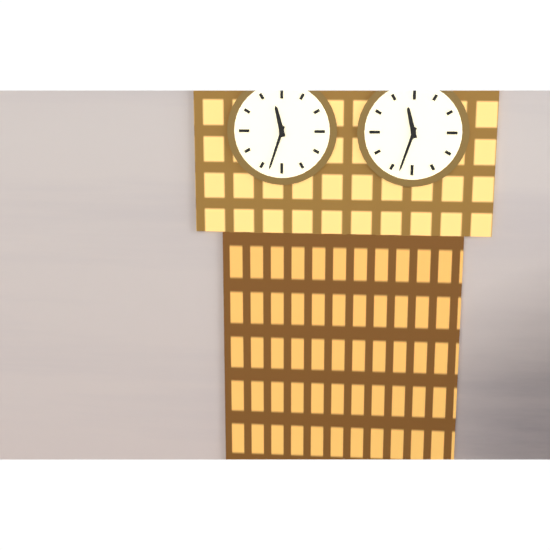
{"hour": 11, "minute": 33}
